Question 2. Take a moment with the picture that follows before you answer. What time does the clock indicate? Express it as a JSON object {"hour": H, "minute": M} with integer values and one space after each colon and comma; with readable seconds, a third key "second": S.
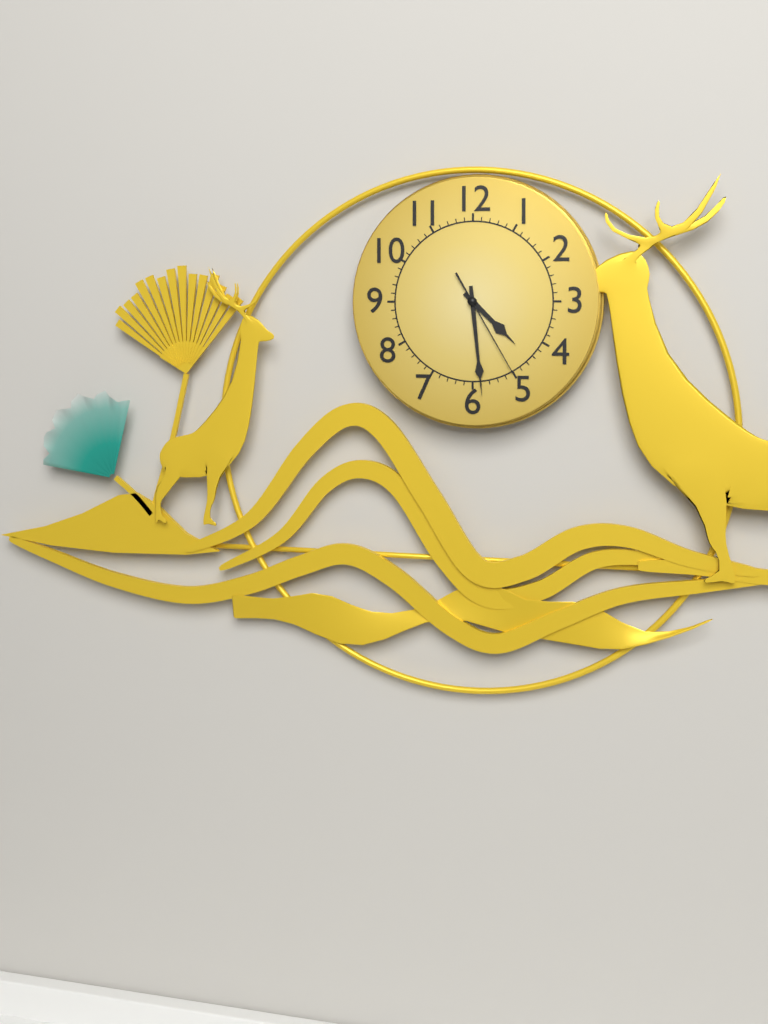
{"hour": 4, "minute": 29, "second": 25}
